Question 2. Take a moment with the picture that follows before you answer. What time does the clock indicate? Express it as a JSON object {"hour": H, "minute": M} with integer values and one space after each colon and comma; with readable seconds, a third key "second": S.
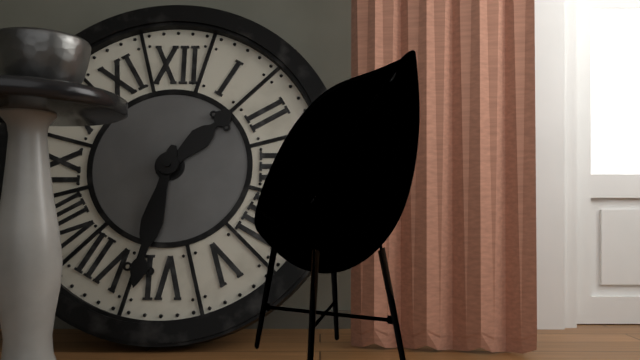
{"hour": 1, "minute": 32}
